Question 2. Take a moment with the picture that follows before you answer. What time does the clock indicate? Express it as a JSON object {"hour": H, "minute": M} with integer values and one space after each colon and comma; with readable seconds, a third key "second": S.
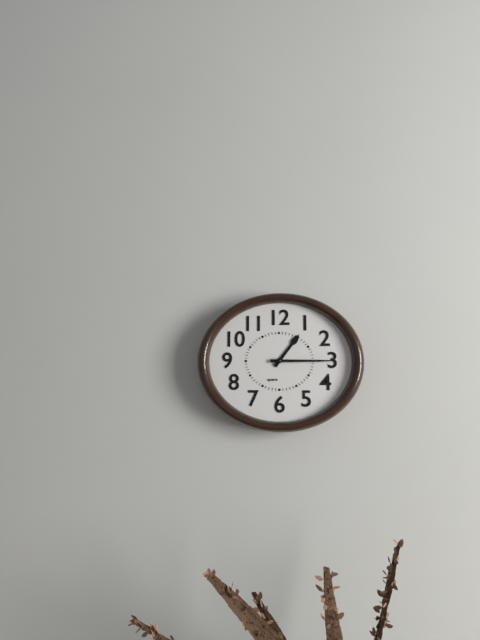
{"hour": 1, "minute": 15}
